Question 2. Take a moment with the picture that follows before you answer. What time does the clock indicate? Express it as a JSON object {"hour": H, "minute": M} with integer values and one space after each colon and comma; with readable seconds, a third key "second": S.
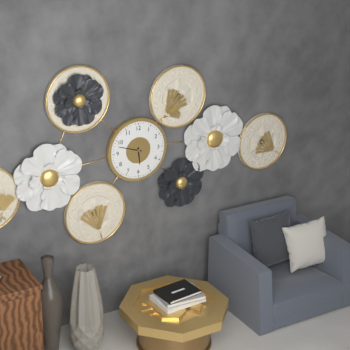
{"hour": 5, "minute": 48}
